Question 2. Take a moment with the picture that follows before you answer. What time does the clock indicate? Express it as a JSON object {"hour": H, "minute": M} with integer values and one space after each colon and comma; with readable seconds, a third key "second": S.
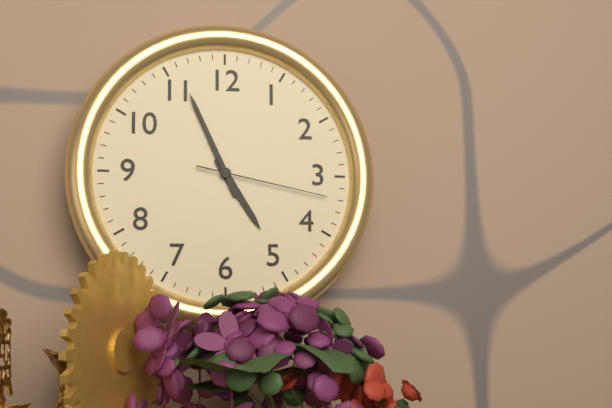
{"hour": 4, "minute": 56, "second": 17}
